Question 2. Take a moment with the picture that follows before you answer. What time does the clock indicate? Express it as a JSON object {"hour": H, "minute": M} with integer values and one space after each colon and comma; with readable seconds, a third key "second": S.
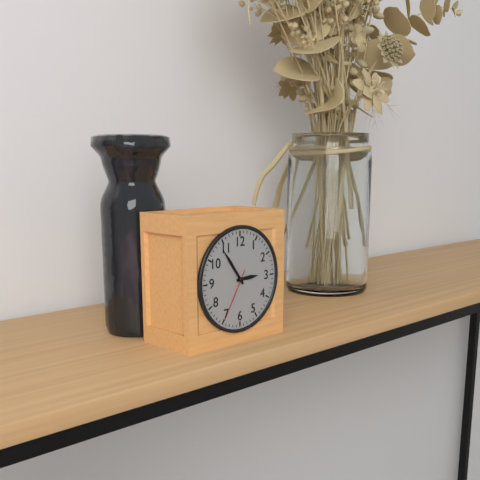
{"hour": 2, "minute": 54, "second": 35}
